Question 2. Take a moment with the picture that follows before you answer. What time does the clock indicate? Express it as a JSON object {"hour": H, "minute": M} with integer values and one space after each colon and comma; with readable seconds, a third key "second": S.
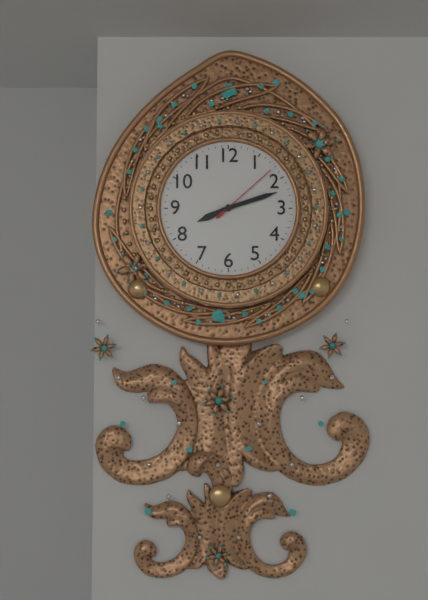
{"hour": 8, "minute": 12, "second": 8}
